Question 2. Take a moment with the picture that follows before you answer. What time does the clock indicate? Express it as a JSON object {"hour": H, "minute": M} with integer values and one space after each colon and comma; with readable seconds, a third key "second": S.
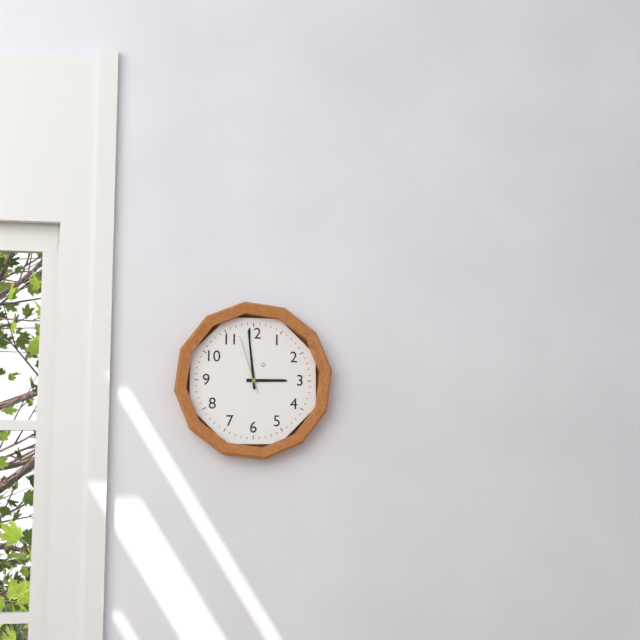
{"hour": 2, "minute": 59, "second": 57}
